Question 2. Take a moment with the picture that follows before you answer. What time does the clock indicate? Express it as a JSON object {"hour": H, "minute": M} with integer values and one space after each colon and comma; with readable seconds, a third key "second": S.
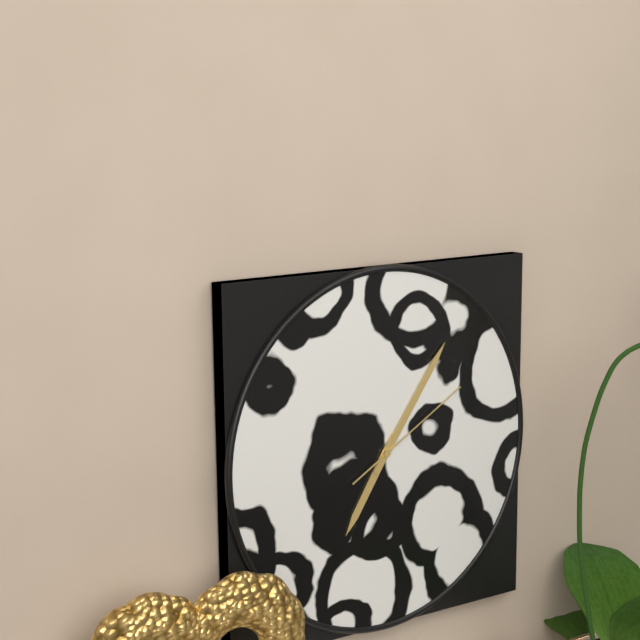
{"hour": 7, "minute": 6, "second": 10}
